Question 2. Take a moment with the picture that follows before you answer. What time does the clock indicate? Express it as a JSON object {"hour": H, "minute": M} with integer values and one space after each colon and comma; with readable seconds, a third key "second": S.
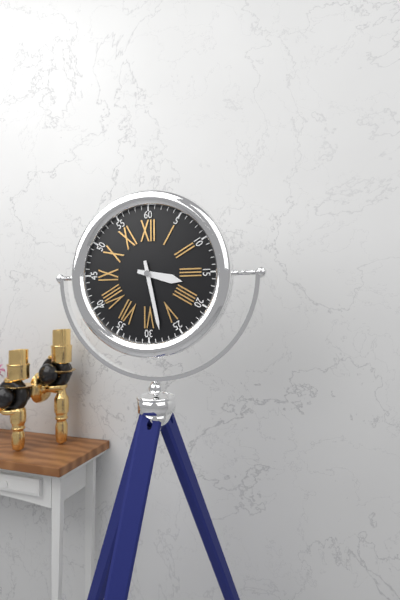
{"hour": 3, "minute": 28}
